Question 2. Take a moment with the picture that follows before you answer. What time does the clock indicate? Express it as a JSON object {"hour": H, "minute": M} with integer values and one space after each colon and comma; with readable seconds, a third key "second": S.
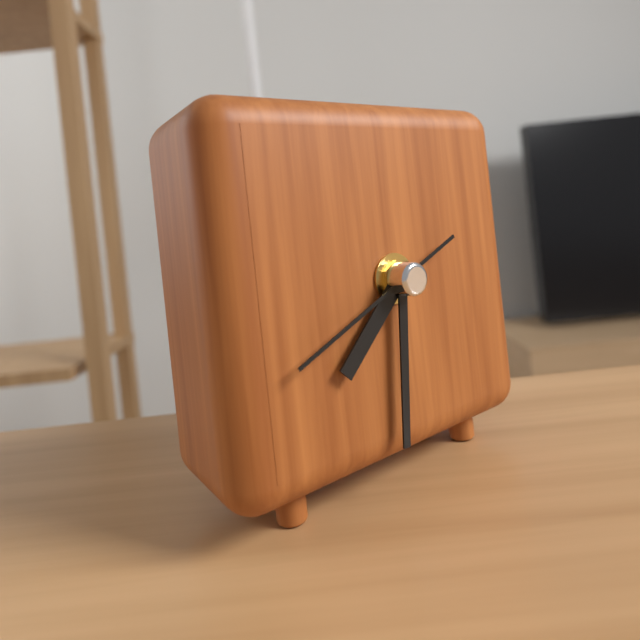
{"hour": 7, "minute": 31, "second": 41}
